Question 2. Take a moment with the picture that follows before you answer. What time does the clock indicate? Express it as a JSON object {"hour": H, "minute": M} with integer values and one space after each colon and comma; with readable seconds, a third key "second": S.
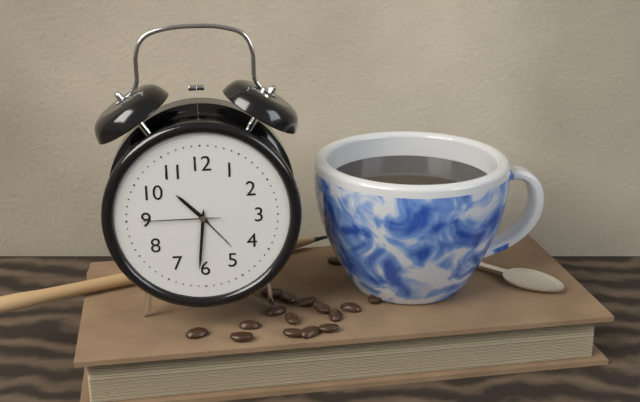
{"hour": 10, "minute": 31, "second": 45}
